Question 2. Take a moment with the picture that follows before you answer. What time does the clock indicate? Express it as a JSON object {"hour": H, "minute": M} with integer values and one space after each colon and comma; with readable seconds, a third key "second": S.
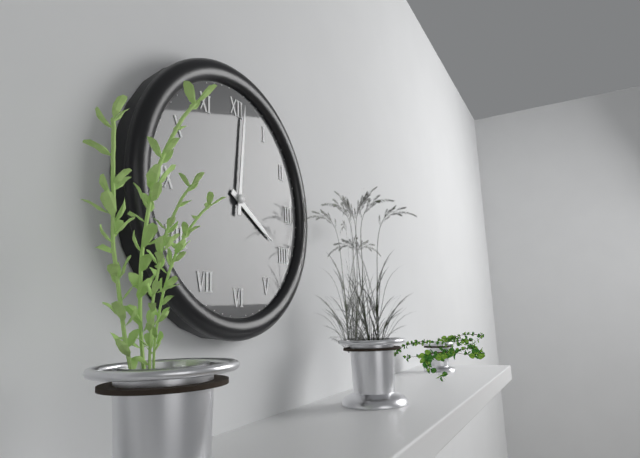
{"hour": 4, "minute": 1}
